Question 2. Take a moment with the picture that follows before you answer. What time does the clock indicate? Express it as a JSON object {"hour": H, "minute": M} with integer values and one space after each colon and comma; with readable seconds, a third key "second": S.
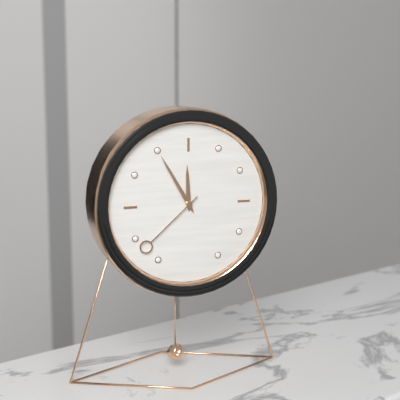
{"hour": 11, "minute": 55, "second": 38}
